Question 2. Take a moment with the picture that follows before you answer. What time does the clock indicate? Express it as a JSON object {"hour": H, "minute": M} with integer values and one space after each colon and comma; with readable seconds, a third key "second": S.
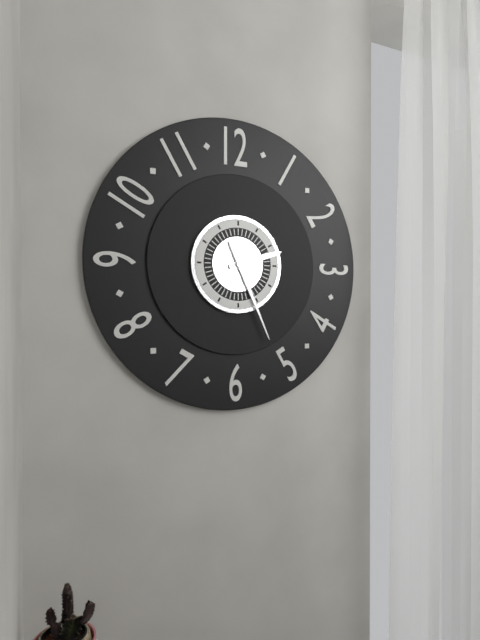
{"hour": 2, "minute": 26}
